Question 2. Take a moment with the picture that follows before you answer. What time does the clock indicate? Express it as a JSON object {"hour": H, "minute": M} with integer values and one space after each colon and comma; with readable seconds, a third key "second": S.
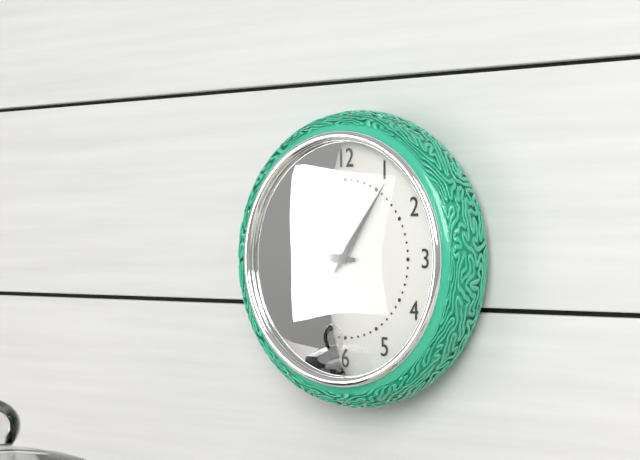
{"hour": 9, "minute": 6}
